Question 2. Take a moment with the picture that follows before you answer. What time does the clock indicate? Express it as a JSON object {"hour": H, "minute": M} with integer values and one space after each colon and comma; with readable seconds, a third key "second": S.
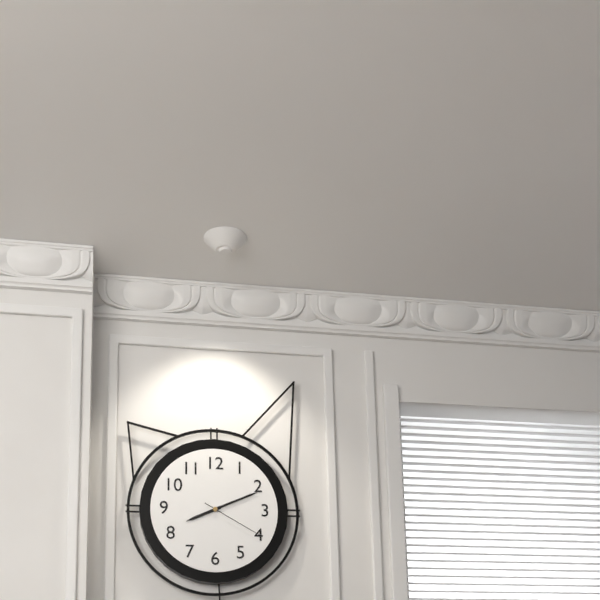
{"hour": 8, "minute": 11, "second": 20}
